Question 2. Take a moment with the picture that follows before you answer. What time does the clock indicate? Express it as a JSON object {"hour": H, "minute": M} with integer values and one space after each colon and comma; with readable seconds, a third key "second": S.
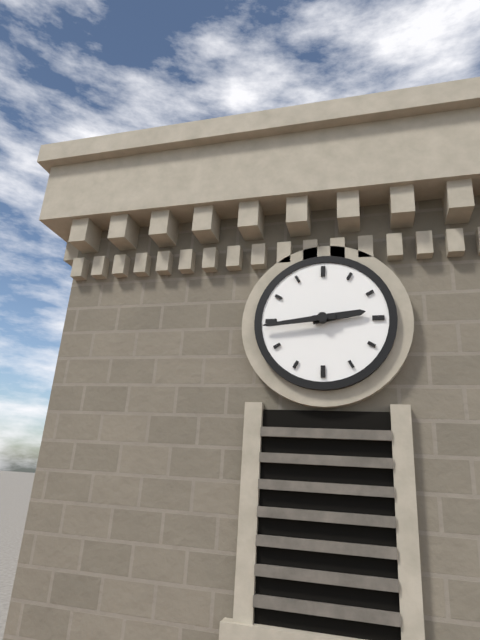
{"hour": 2, "minute": 44}
